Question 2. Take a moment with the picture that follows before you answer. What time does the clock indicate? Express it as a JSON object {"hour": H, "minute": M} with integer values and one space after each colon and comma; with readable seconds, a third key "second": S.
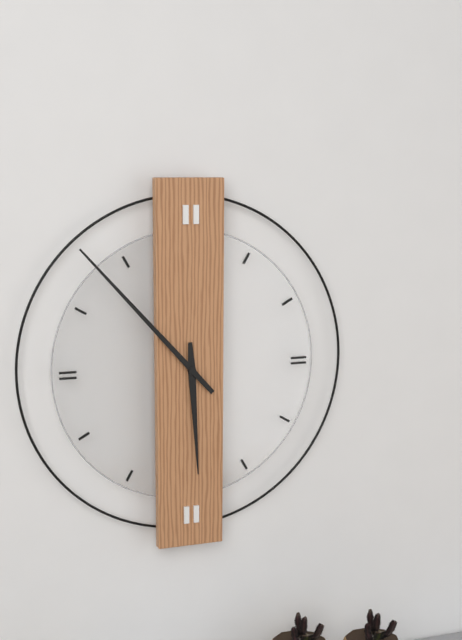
{"hour": 5, "minute": 53}
